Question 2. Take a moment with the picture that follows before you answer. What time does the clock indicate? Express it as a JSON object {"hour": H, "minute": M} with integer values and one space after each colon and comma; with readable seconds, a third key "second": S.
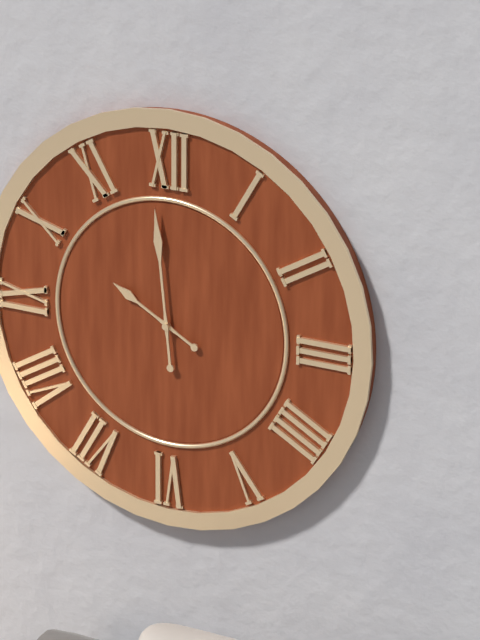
{"hour": 9, "minute": 59}
